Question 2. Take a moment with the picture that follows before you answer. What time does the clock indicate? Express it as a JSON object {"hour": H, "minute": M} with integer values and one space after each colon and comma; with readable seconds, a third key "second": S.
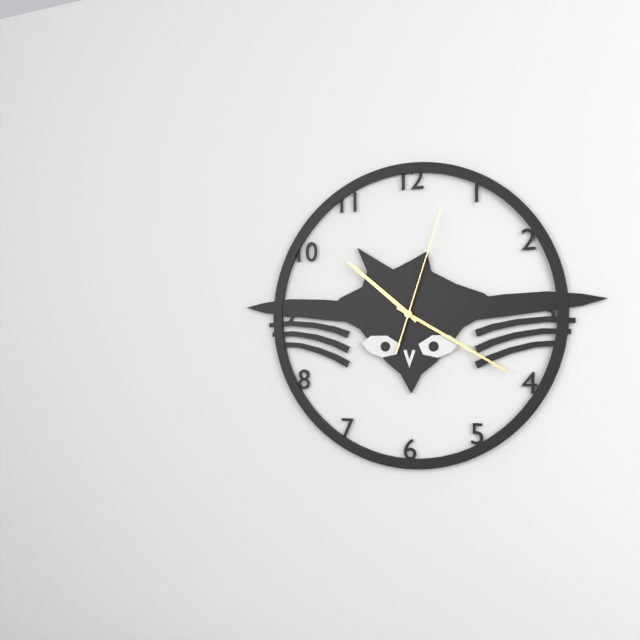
{"hour": 10, "minute": 20, "second": 3}
